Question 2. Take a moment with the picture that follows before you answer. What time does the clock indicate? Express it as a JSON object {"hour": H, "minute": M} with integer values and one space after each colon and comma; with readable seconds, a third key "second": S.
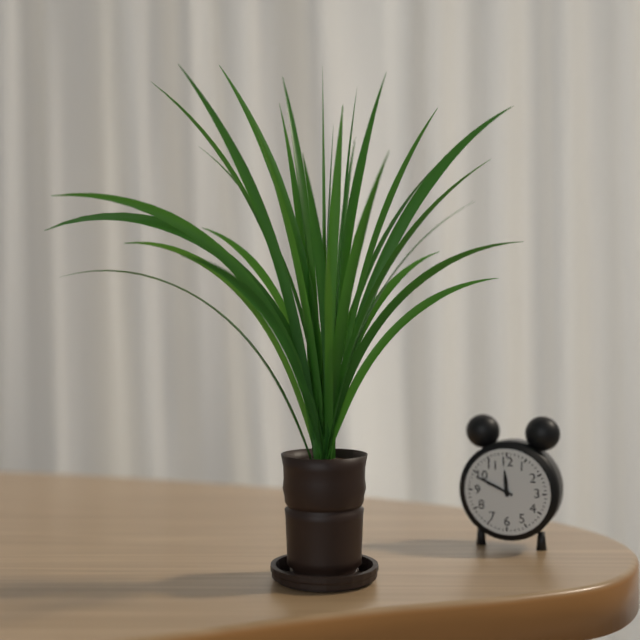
{"hour": 11, "minute": 49}
